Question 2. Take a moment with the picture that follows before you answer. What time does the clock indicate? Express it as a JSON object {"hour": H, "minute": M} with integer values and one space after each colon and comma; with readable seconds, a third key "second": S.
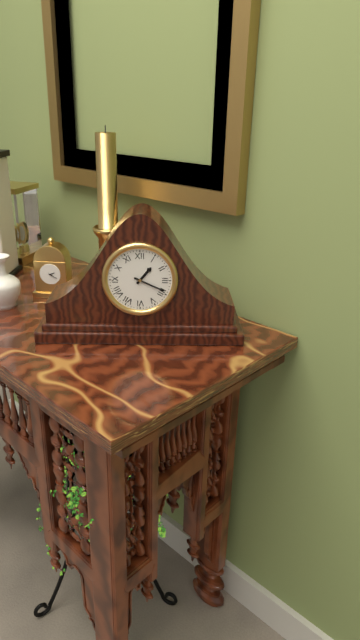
{"hour": 1, "minute": 19}
